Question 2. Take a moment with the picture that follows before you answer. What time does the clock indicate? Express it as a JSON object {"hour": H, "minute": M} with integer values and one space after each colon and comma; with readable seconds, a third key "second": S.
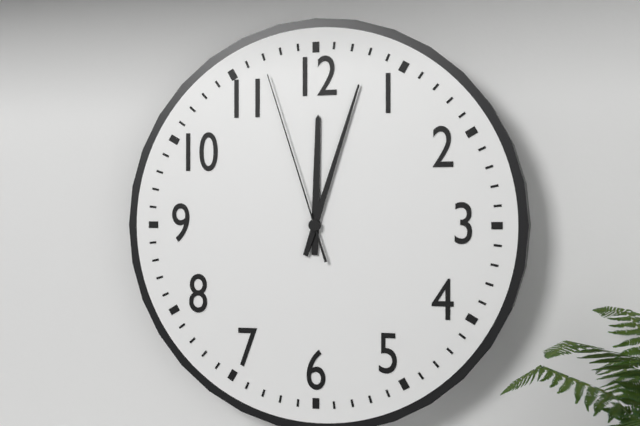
{"hour": 12, "minute": 3, "second": 57}
